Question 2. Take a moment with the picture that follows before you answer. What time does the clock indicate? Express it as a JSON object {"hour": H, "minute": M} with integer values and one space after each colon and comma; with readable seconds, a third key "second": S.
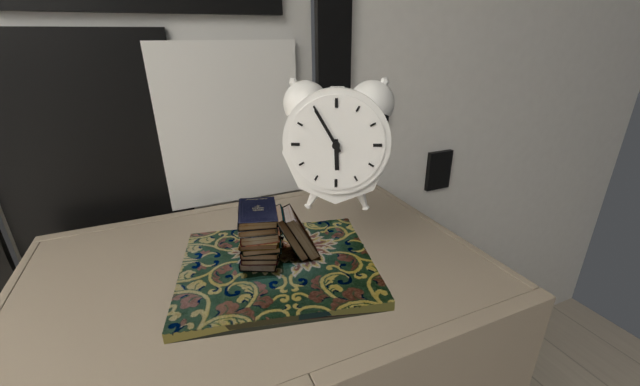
{"hour": 5, "minute": 55}
